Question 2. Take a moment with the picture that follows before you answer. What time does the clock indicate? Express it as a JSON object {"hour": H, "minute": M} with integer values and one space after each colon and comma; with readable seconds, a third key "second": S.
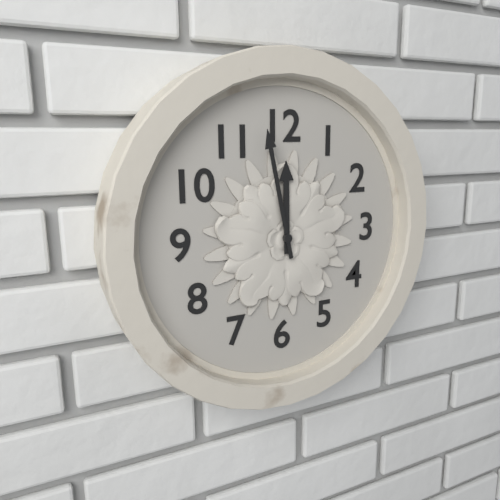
{"hour": 11, "minute": 58}
